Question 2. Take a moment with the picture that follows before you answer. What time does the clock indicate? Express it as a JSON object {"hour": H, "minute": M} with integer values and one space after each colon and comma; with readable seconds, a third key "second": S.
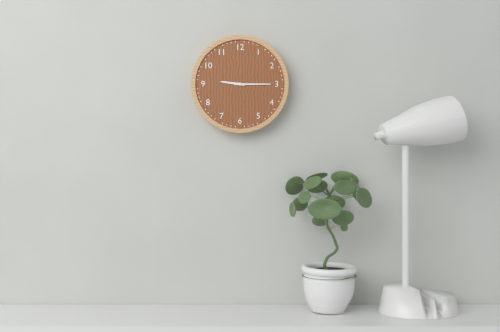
{"hour": 9, "minute": 15}
